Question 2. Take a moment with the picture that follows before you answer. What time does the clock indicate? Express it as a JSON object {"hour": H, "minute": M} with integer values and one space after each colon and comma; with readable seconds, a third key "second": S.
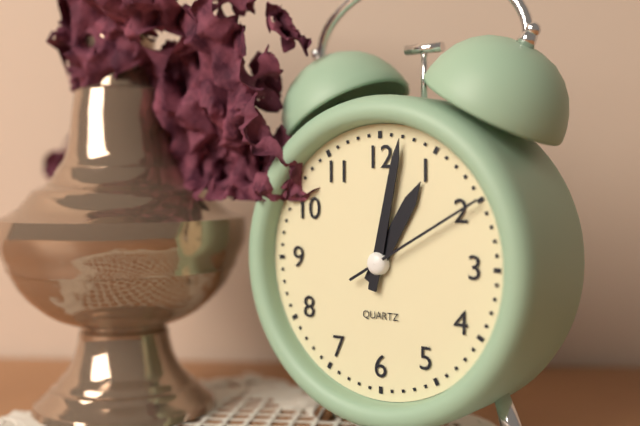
{"hour": 1, "minute": 2, "second": 10}
